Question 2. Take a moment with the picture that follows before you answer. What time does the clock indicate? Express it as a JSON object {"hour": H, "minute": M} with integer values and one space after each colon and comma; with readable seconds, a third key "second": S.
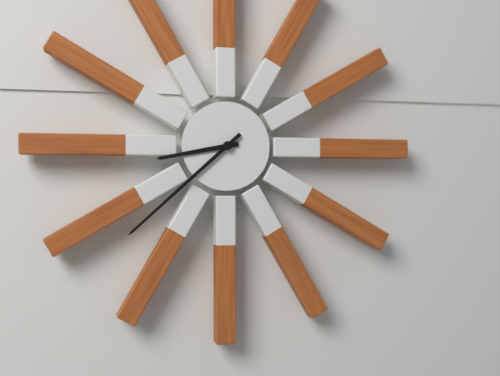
{"hour": 8, "minute": 38}
